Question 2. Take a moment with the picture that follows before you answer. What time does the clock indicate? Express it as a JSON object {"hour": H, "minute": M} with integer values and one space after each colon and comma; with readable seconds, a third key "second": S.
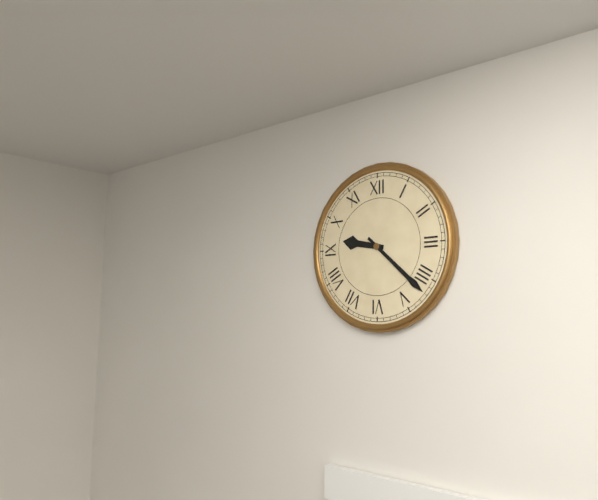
{"hour": 9, "minute": 22}
